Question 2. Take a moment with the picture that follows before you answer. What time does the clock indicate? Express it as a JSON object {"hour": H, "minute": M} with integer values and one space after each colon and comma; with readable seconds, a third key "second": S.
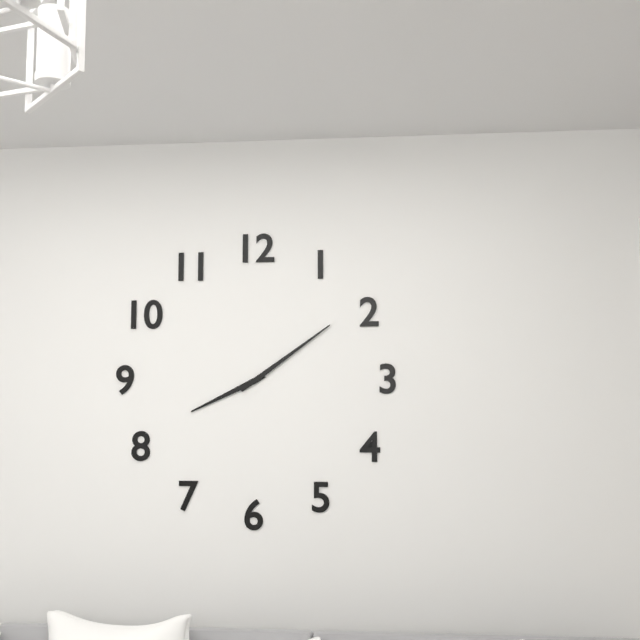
{"hour": 8, "minute": 9}
